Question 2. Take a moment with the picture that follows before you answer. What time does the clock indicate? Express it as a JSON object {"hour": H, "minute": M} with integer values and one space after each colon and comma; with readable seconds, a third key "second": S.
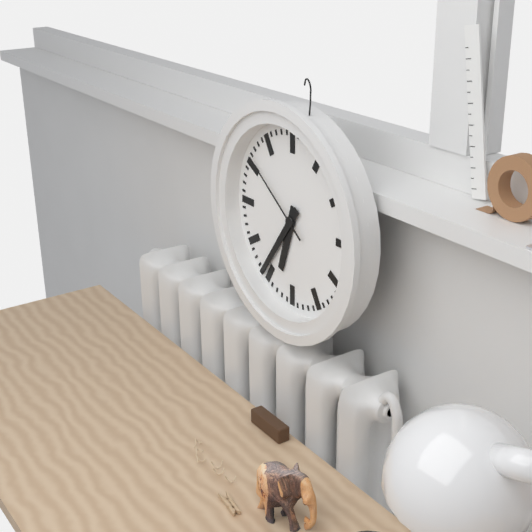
{"hour": 6, "minute": 36, "second": 51}
